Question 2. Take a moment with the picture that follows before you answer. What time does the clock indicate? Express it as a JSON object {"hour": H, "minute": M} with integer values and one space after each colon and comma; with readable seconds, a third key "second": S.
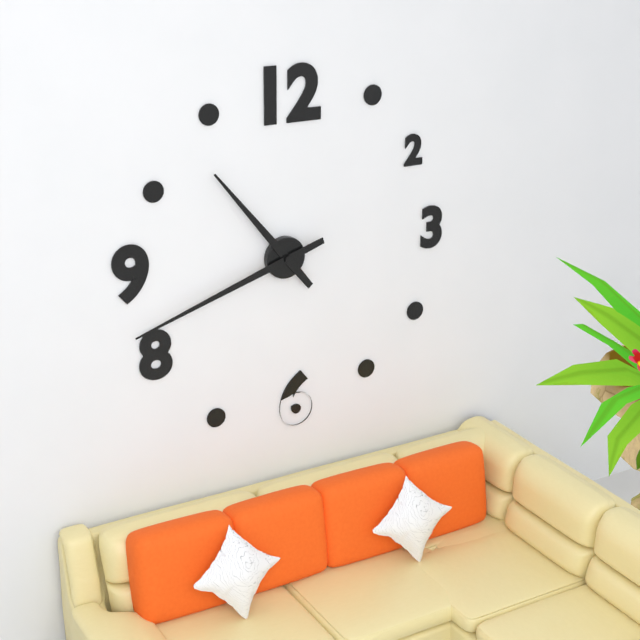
{"hour": 10, "minute": 42}
